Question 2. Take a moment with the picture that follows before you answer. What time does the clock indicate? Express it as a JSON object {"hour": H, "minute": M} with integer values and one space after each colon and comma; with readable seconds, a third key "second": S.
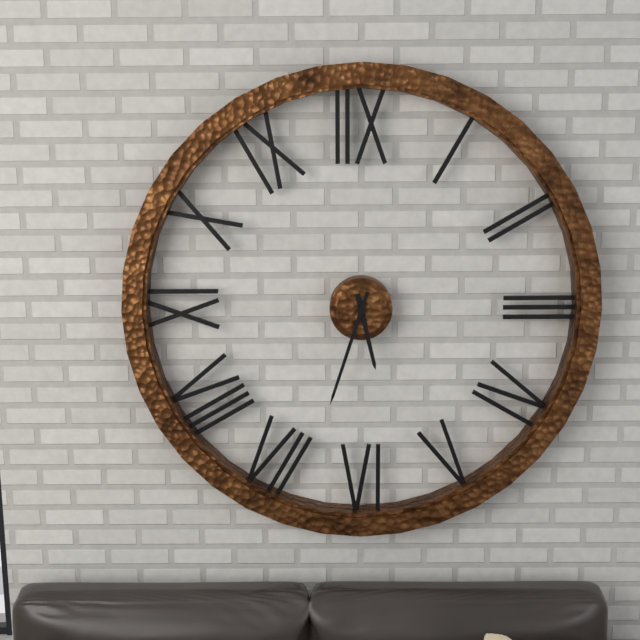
{"hour": 5, "minute": 33}
